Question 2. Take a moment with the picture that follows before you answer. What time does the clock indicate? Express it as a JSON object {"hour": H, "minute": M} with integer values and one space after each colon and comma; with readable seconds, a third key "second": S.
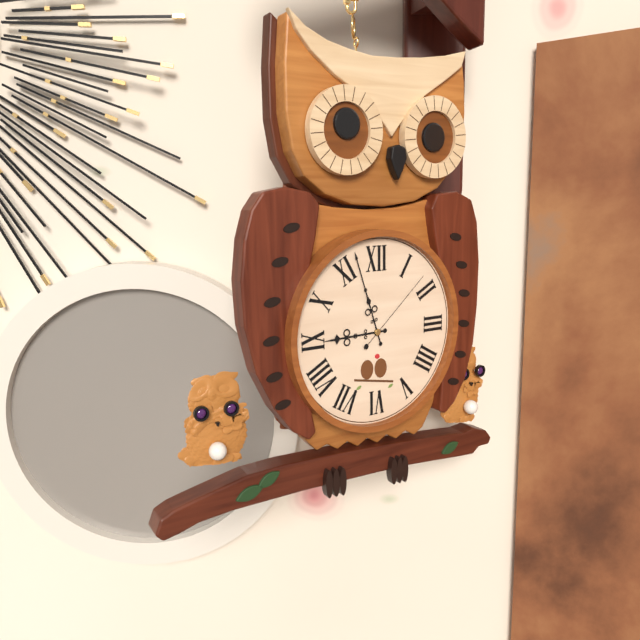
{"hour": 8, "minute": 57, "second": 8}
